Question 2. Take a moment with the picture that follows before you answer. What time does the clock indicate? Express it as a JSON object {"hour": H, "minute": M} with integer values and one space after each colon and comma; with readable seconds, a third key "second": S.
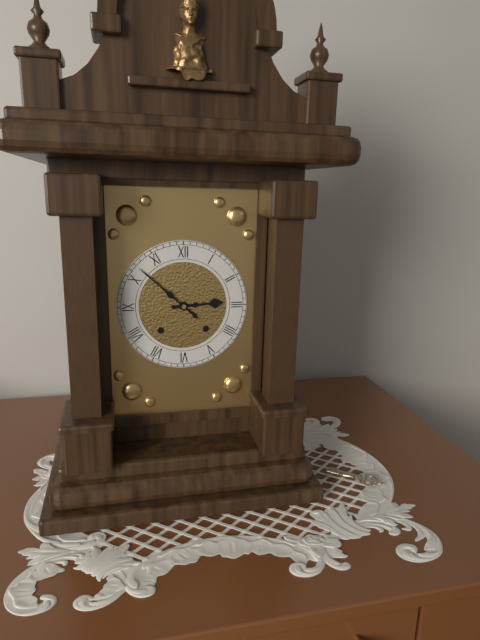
{"hour": 2, "minute": 52}
